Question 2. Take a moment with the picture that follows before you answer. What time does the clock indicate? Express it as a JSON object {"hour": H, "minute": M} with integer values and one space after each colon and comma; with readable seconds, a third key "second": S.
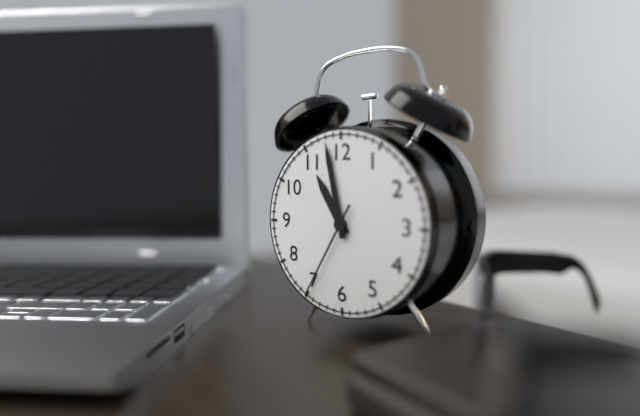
{"hour": 10, "minute": 58, "second": 35}
